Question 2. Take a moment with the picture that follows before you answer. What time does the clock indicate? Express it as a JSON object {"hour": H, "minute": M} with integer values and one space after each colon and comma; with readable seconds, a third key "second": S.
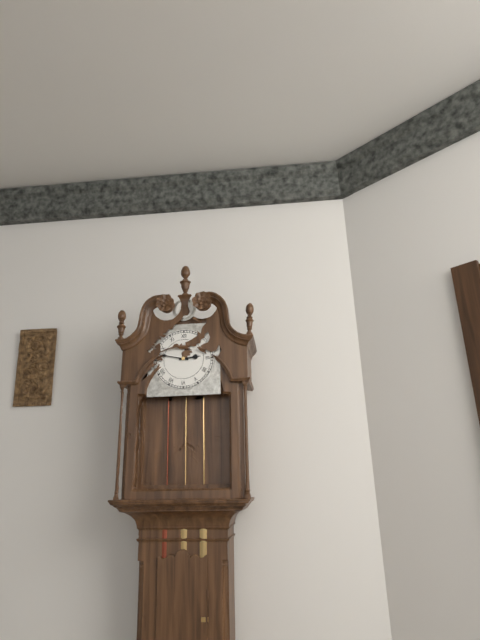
{"hour": 2, "minute": 47}
